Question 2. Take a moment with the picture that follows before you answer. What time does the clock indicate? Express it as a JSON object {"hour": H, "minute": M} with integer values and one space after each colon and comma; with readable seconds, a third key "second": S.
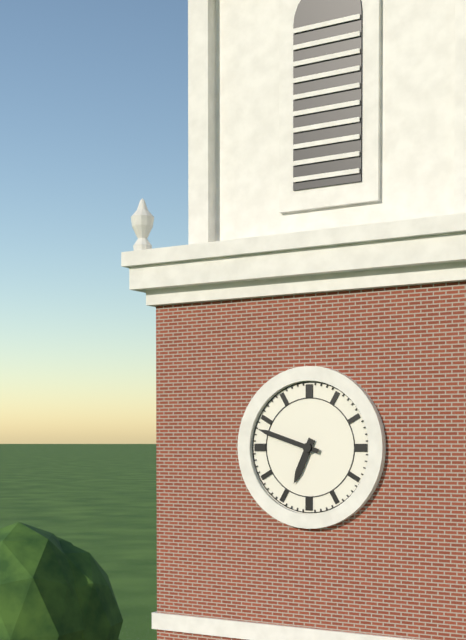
{"hour": 6, "minute": 48}
